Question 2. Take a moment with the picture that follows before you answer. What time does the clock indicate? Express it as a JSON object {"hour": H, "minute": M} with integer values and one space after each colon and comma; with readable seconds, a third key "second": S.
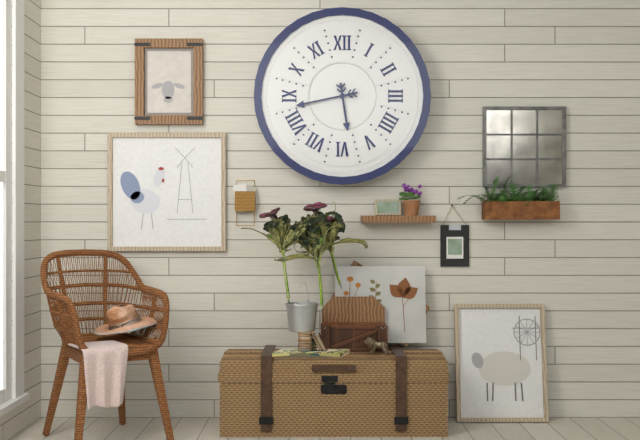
{"hour": 5, "minute": 43}
